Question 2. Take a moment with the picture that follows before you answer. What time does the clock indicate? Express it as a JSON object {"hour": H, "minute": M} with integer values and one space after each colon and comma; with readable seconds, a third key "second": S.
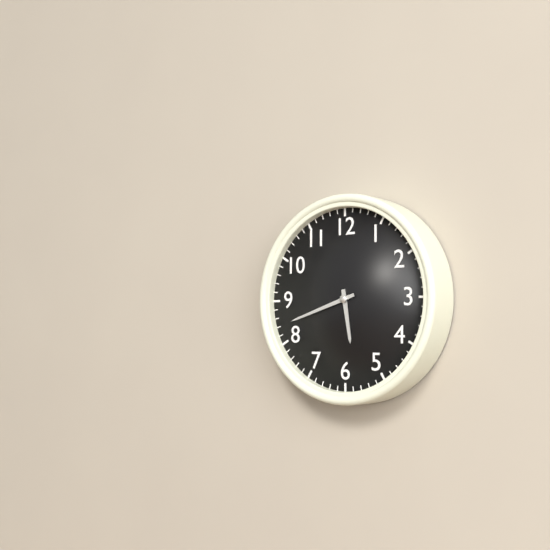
{"hour": 5, "minute": 42}
